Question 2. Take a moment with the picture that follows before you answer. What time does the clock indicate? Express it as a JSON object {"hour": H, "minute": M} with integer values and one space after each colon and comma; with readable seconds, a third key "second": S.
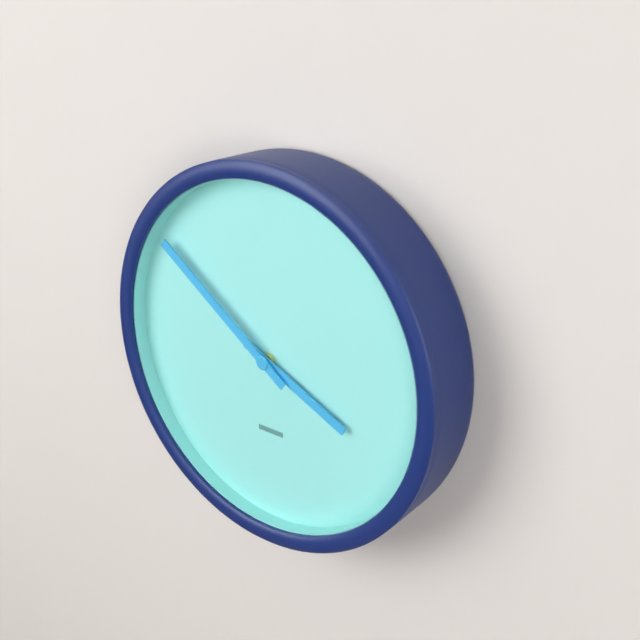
{"hour": 3, "minute": 51}
